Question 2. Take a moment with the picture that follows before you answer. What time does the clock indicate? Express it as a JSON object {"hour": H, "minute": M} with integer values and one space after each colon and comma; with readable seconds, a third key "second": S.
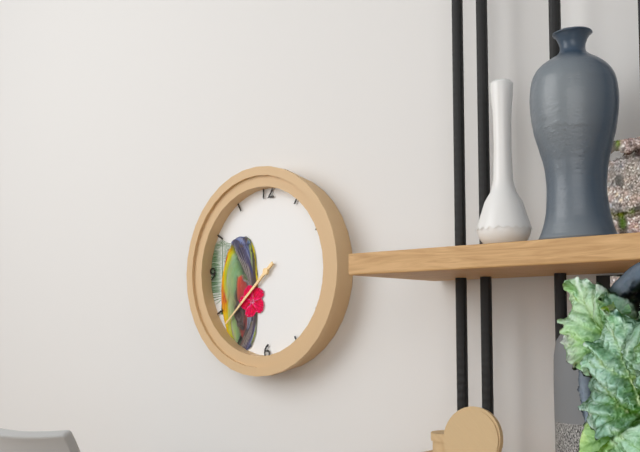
{"hour": 7, "minute": 38}
